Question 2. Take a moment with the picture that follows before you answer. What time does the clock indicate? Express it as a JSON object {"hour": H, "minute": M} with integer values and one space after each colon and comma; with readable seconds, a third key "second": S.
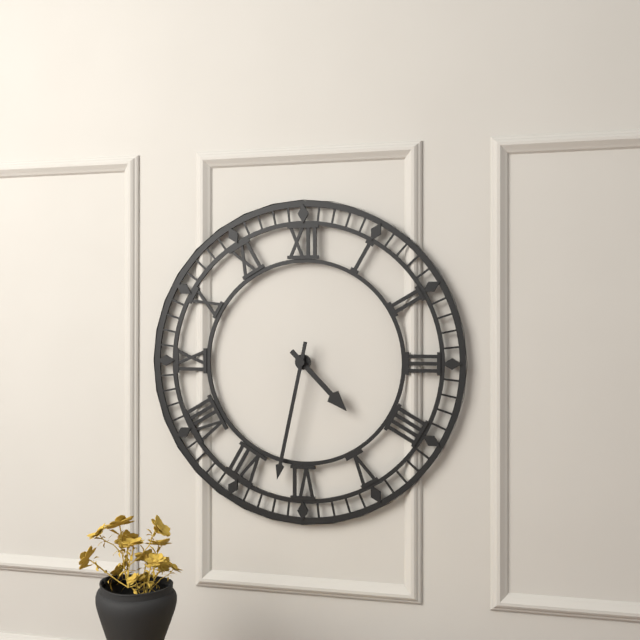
{"hour": 4, "minute": 32}
